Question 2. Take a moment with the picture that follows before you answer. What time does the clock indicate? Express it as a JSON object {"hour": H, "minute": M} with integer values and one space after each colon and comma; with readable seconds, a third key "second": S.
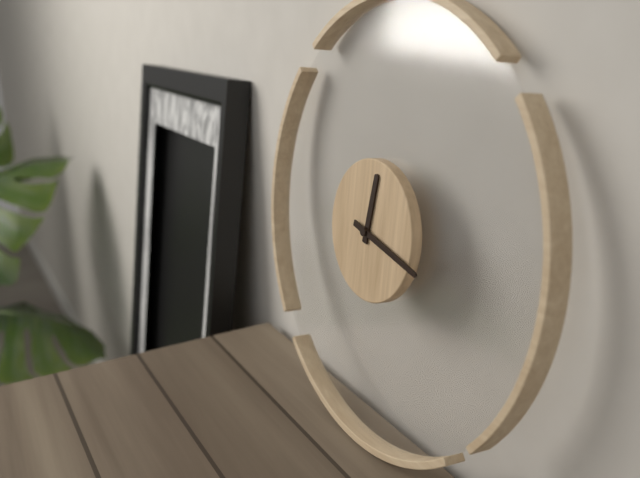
{"hour": 12, "minute": 17}
